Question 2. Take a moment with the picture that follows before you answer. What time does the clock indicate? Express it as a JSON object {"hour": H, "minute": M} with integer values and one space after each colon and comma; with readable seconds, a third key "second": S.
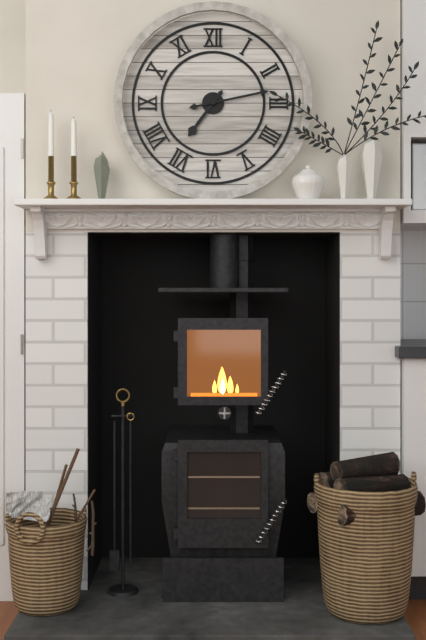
{"hour": 7, "minute": 13}
